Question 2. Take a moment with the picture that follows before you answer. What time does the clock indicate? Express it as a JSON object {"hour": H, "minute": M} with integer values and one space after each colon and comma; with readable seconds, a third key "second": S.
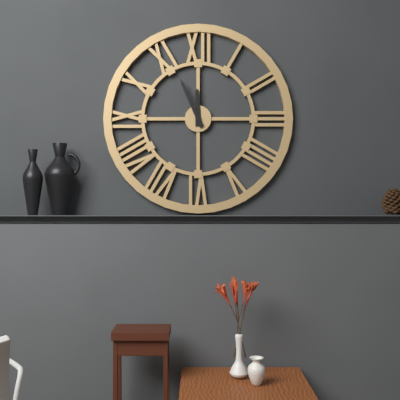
{"hour": 11, "minute": 56}
